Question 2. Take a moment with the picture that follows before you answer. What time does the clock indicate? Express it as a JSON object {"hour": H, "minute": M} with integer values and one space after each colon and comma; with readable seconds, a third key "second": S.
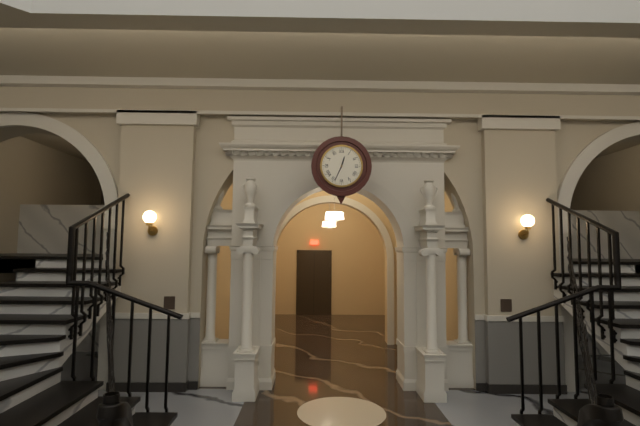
{"hour": 12, "minute": 34}
